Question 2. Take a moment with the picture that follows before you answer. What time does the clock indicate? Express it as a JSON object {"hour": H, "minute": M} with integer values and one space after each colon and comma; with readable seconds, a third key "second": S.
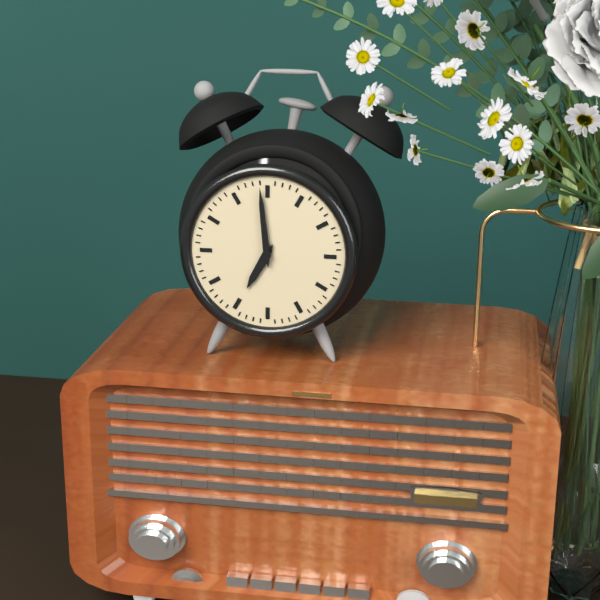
{"hour": 6, "minute": 59}
